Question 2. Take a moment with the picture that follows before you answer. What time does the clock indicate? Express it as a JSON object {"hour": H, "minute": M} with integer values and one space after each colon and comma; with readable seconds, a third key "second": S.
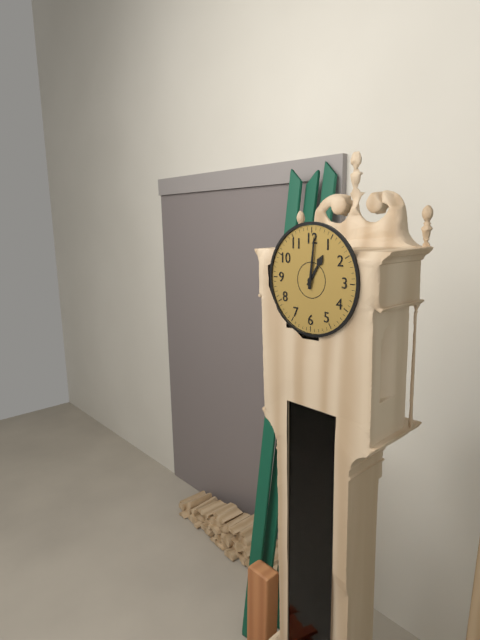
{"hour": 1, "minute": 1}
